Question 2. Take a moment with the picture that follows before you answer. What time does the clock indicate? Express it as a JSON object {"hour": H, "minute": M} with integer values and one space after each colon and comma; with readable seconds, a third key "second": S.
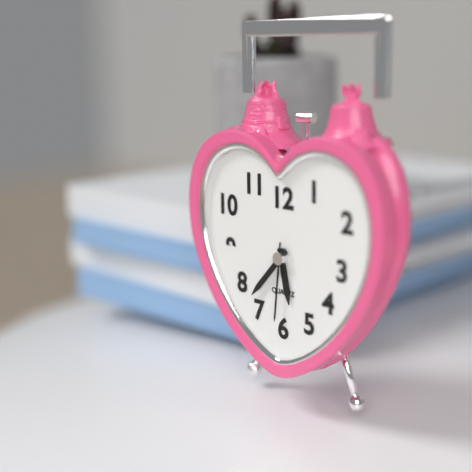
{"hour": 5, "minute": 37, "second": 31}
